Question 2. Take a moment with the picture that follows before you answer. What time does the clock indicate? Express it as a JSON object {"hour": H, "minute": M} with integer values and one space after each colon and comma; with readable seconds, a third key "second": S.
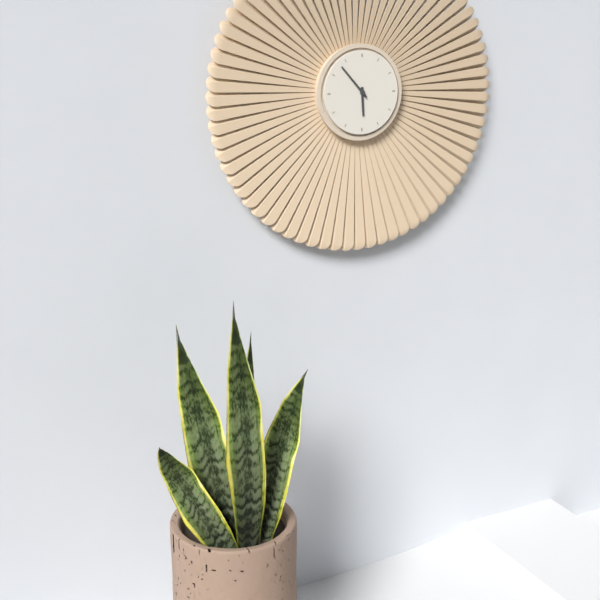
{"hour": 5, "minute": 53}
